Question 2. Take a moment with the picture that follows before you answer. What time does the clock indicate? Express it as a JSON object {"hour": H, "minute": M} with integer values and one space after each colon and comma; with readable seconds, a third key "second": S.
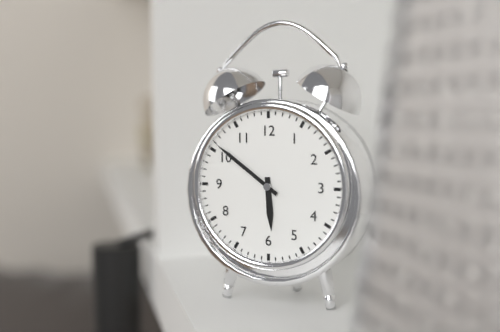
{"hour": 5, "minute": 51}
